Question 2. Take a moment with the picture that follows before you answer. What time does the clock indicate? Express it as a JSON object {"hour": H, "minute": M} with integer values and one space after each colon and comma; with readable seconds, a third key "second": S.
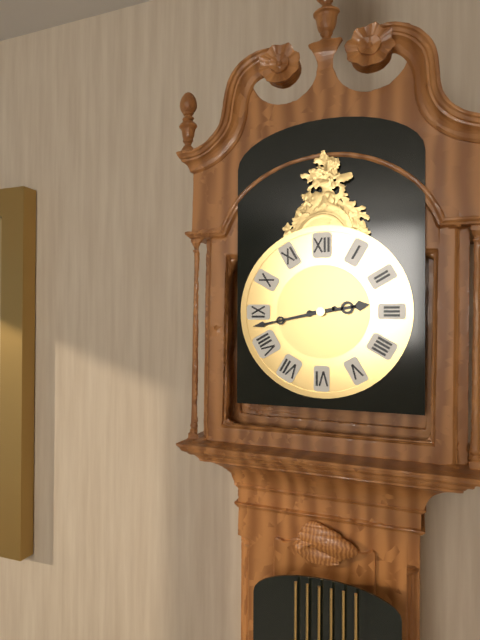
{"hour": 2, "minute": 43}
